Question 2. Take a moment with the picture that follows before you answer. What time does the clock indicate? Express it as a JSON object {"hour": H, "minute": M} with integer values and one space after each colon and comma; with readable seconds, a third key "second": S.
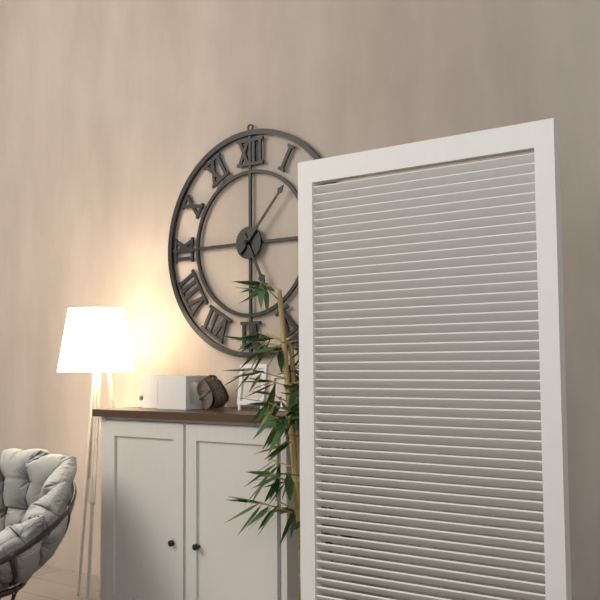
{"hour": 5, "minute": 7}
